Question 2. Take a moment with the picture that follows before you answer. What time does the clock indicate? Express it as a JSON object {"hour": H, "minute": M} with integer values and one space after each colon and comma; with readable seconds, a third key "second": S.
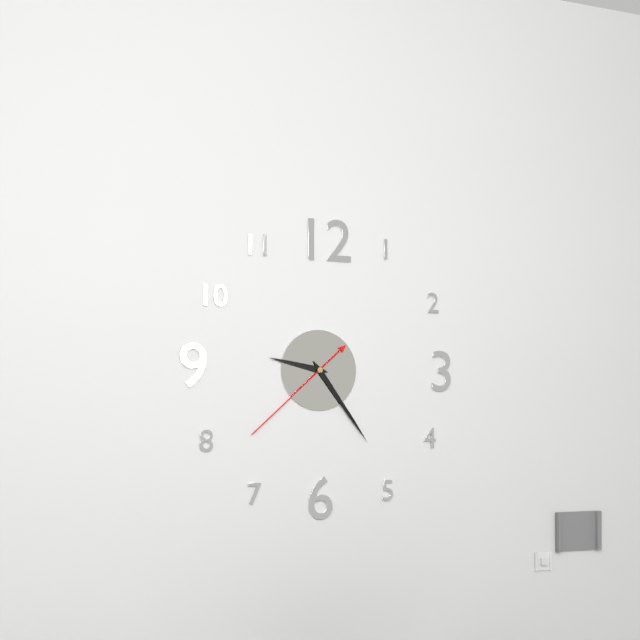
{"hour": 9, "minute": 24, "second": 38}
